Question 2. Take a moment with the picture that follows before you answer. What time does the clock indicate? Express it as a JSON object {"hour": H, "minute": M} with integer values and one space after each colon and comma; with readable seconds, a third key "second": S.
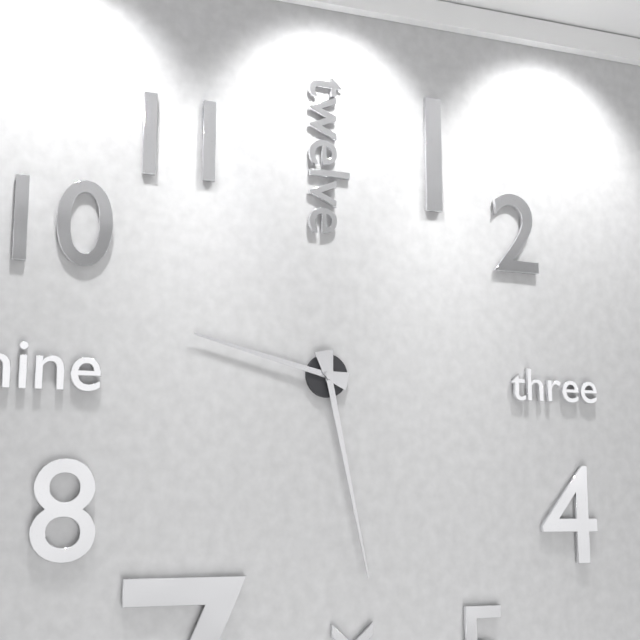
{"hour": 9, "minute": 28}
